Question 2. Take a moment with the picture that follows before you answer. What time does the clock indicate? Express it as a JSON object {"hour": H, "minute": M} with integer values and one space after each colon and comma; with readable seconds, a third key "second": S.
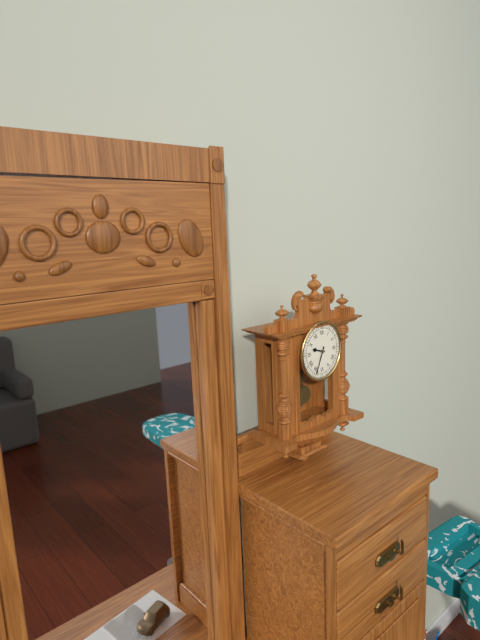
{"hour": 9, "minute": 34}
